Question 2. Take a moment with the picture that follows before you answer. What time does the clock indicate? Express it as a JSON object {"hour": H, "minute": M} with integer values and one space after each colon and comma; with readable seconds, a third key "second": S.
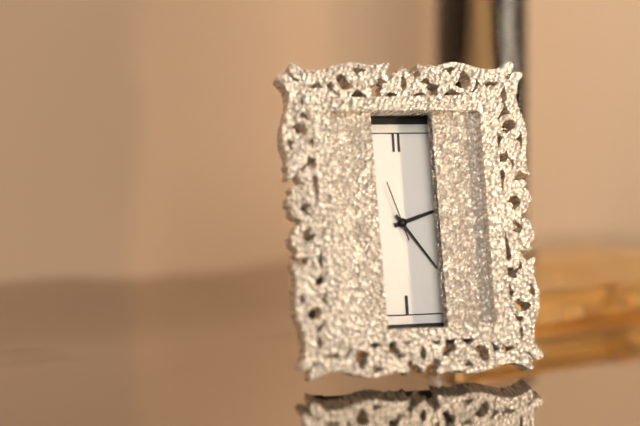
{"hour": 2, "minute": 24, "second": 57}
